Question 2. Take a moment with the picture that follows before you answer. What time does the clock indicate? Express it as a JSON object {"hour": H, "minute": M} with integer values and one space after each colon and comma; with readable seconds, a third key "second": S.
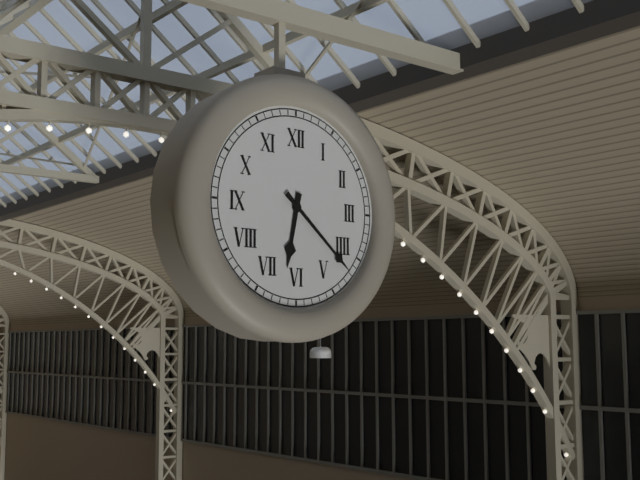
{"hour": 6, "minute": 22}
